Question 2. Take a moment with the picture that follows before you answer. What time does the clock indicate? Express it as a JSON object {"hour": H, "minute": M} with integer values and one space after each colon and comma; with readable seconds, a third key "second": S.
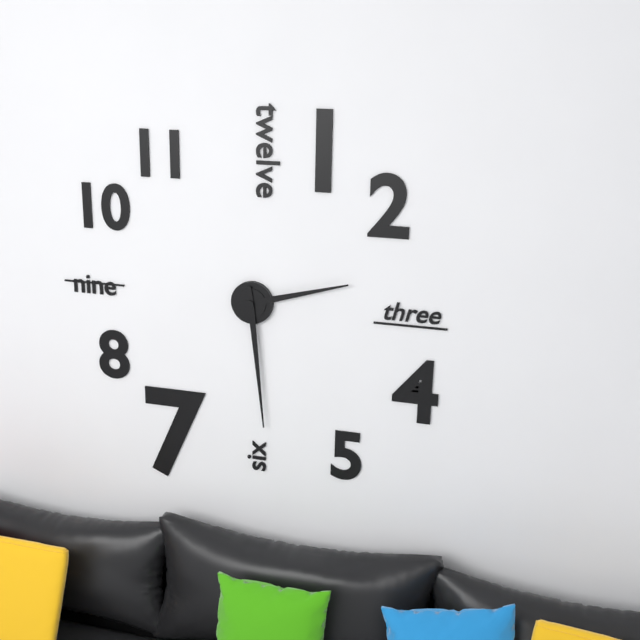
{"hour": 2, "minute": 29}
